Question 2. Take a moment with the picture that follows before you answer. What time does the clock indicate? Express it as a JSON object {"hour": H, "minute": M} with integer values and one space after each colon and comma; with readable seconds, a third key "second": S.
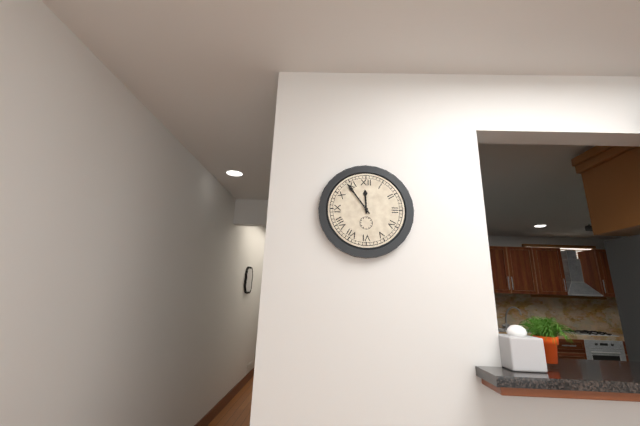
{"hour": 11, "minute": 54}
